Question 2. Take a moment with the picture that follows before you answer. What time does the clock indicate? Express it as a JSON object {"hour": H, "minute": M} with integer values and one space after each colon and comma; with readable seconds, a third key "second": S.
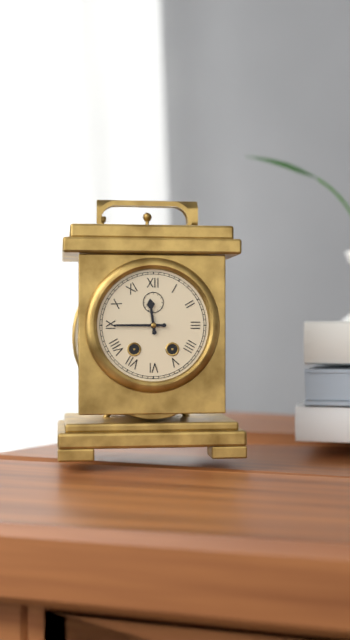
{"hour": 11, "minute": 45}
